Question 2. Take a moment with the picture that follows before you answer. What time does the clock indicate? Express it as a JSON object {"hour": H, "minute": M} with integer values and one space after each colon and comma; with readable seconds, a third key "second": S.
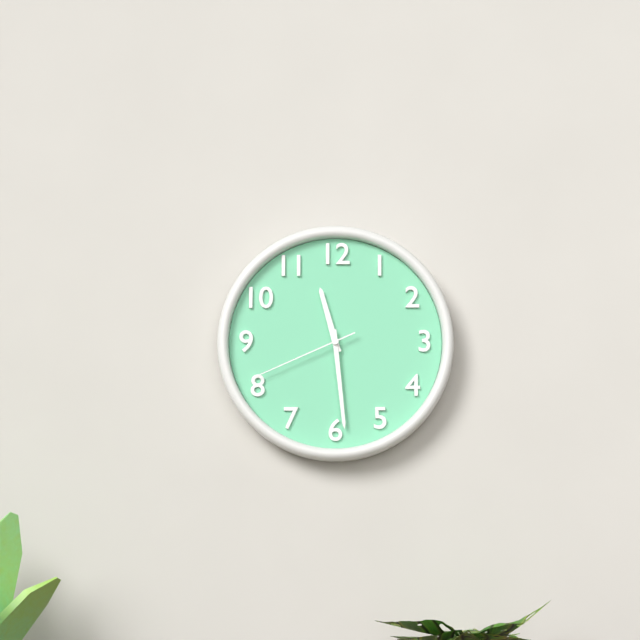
{"hour": 11, "minute": 29, "second": 41}
